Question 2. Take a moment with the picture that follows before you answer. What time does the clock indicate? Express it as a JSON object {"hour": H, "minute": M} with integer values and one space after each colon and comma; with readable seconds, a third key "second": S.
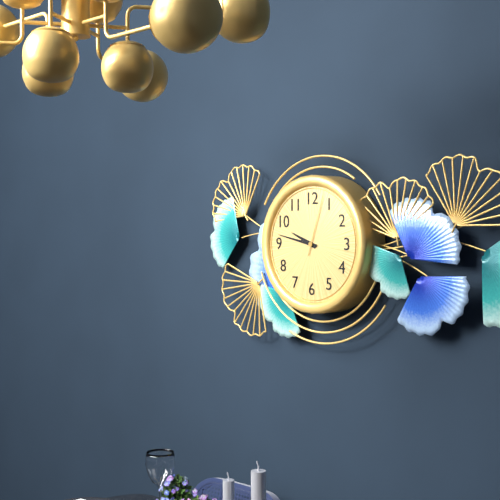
{"hour": 9, "minute": 47, "second": 3}
